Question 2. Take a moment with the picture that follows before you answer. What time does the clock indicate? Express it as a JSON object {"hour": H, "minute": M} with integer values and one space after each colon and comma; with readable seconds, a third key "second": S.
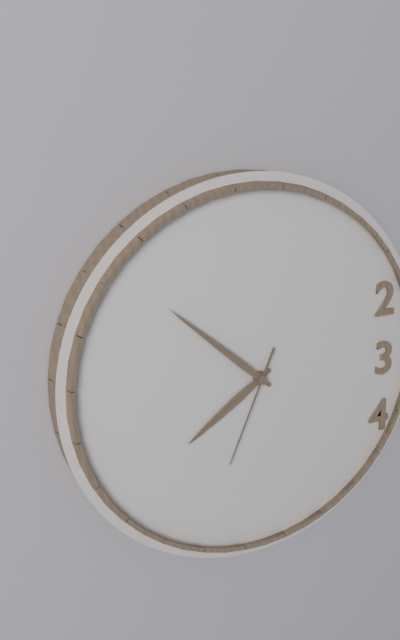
{"hour": 7, "minute": 52, "second": 34}
